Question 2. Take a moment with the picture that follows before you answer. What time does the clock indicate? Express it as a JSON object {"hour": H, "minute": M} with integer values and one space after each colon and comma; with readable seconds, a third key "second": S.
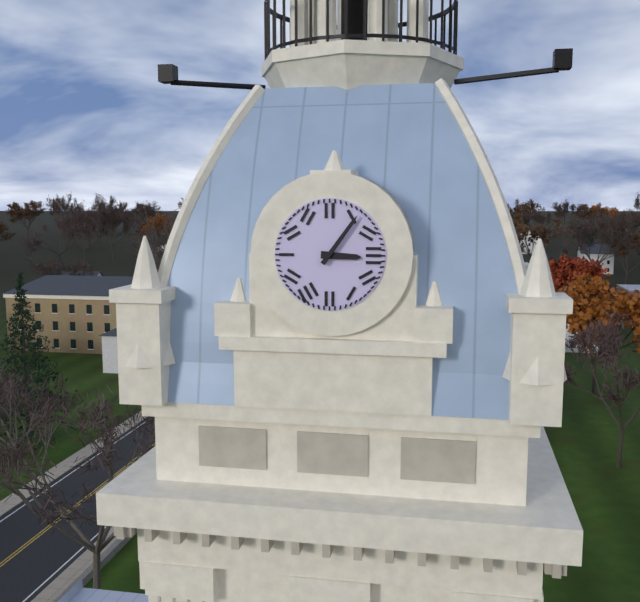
{"hour": 3, "minute": 6}
